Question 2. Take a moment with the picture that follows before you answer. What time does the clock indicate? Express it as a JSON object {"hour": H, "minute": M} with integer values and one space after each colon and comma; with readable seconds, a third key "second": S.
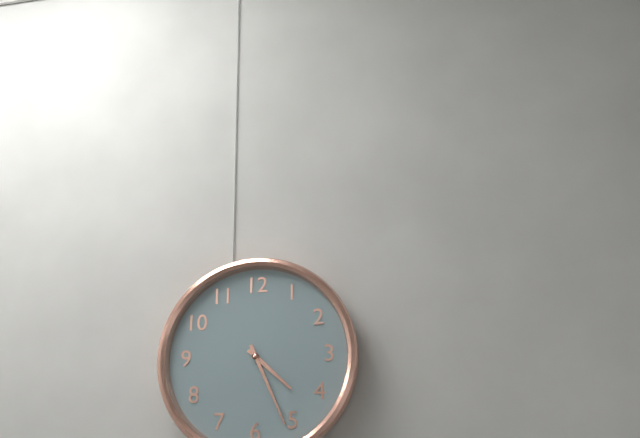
{"hour": 4, "minute": 26}
